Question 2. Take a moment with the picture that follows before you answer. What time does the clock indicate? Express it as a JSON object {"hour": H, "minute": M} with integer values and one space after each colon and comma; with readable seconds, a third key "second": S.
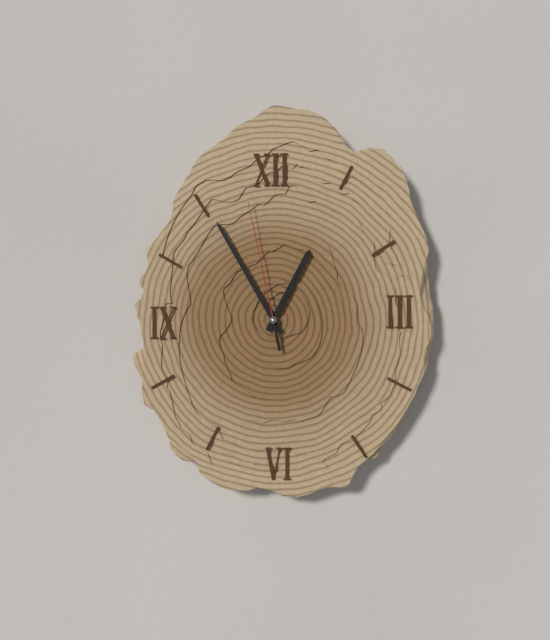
{"hour": 12, "minute": 55, "second": 58}
